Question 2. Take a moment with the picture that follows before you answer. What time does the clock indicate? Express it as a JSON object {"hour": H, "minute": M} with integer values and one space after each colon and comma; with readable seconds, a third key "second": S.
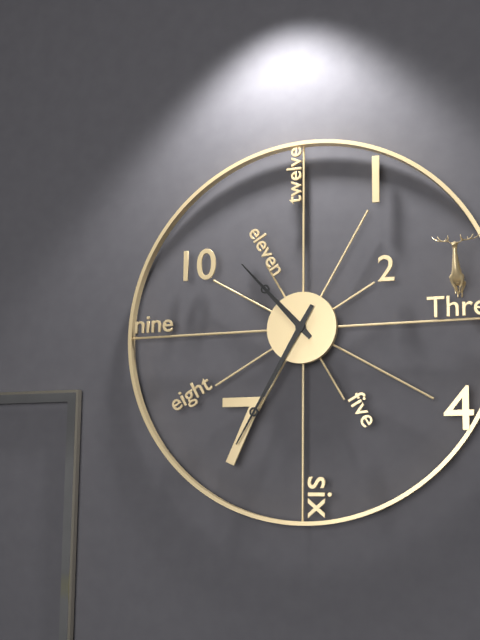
{"hour": 10, "minute": 35}
